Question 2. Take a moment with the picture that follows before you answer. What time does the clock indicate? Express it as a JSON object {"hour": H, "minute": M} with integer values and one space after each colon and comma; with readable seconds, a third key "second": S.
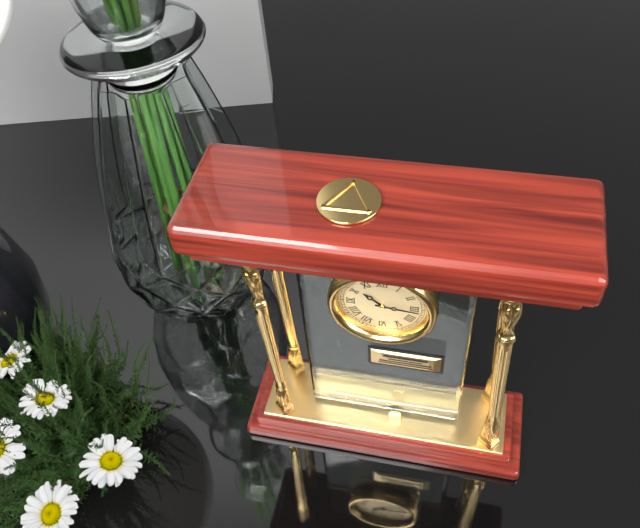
{"hour": 10, "minute": 16}
